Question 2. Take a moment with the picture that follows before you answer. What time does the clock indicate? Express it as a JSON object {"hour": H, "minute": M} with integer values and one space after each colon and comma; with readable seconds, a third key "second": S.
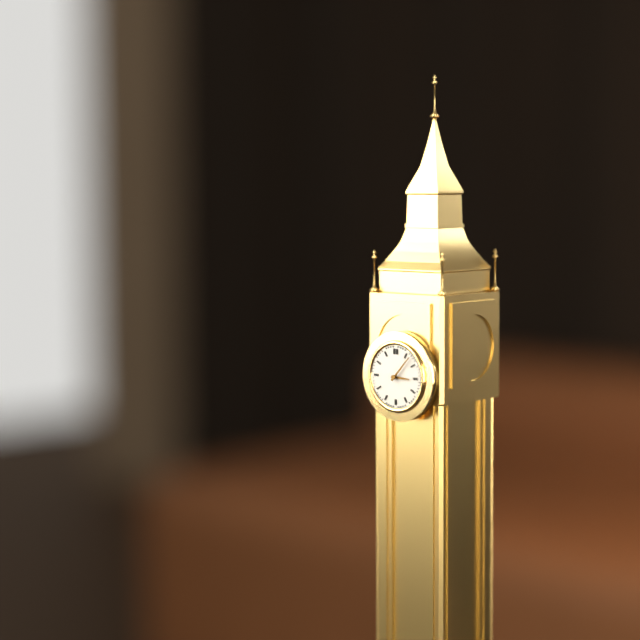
{"hour": 3, "minute": 7}
